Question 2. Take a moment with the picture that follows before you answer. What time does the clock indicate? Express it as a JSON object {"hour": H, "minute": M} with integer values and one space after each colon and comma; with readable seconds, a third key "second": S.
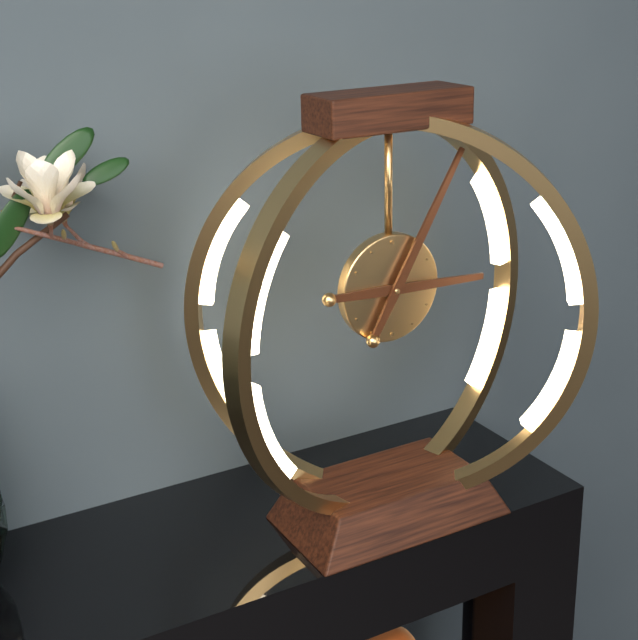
{"hour": 3, "minute": 5}
